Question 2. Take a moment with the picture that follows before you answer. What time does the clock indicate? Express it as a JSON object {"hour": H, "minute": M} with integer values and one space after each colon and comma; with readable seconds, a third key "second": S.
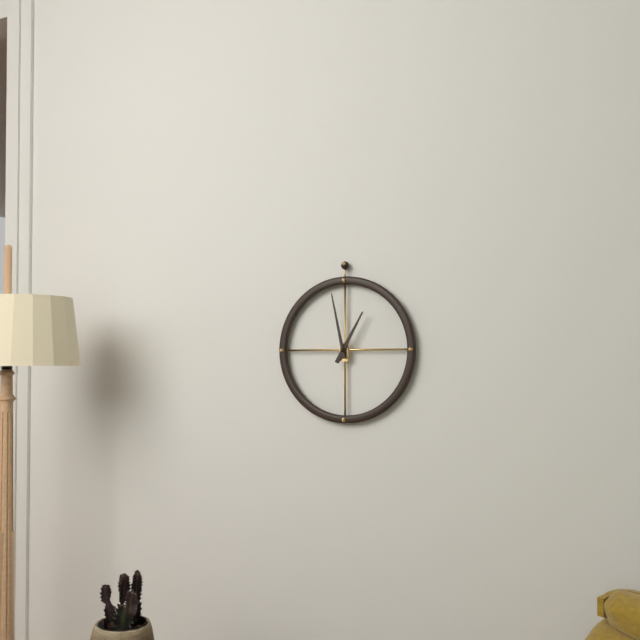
{"hour": 12, "minute": 58}
